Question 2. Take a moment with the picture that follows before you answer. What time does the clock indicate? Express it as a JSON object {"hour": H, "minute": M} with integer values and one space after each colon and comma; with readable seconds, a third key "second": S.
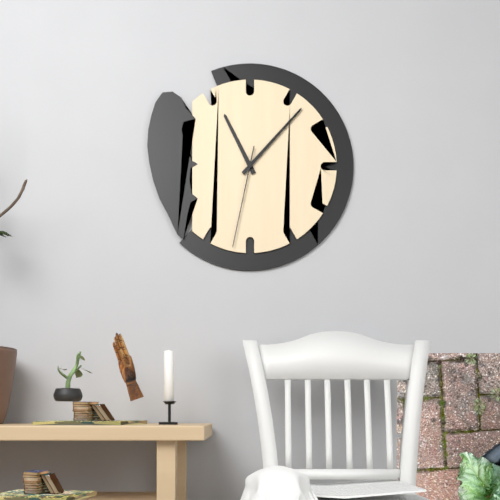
{"hour": 11, "minute": 7, "second": 32}
